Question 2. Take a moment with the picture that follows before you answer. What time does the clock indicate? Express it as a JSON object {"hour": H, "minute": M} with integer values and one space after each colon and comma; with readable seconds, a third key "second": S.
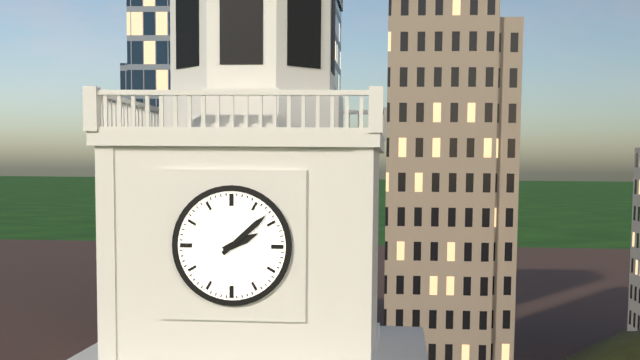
{"hour": 2, "minute": 8}
